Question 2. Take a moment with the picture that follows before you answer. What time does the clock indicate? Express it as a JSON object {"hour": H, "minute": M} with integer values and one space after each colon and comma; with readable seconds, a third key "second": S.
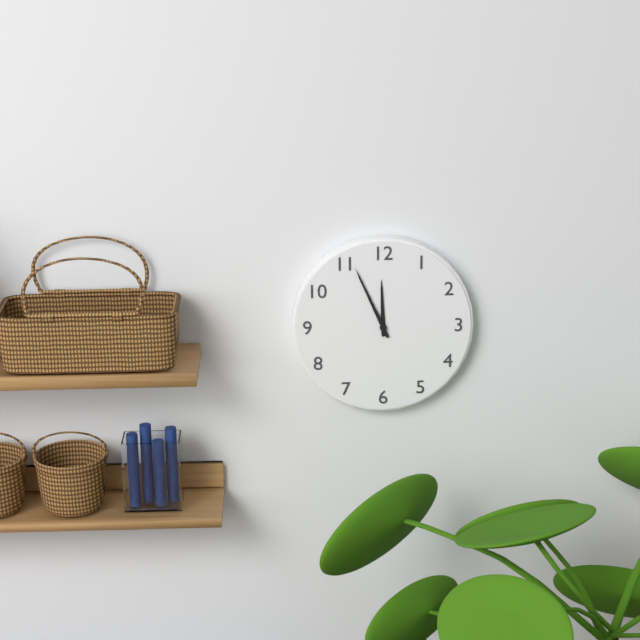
{"hour": 11, "minute": 56}
